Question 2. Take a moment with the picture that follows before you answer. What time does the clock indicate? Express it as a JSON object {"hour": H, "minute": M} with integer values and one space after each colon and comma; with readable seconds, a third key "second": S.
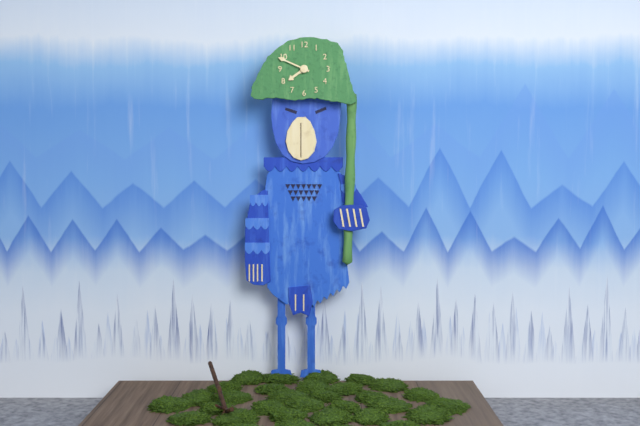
{"hour": 7, "minute": 49}
